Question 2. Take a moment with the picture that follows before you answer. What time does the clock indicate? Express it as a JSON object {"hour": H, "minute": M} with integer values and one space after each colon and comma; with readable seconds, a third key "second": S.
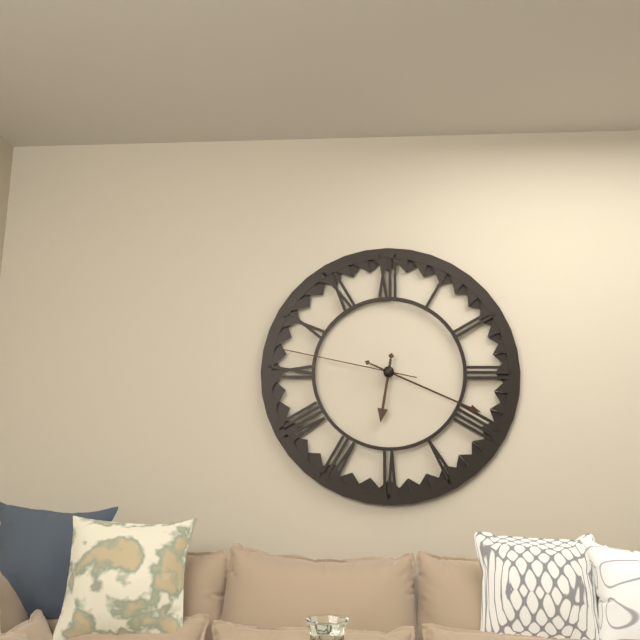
{"hour": 6, "minute": 19, "second": 47}
